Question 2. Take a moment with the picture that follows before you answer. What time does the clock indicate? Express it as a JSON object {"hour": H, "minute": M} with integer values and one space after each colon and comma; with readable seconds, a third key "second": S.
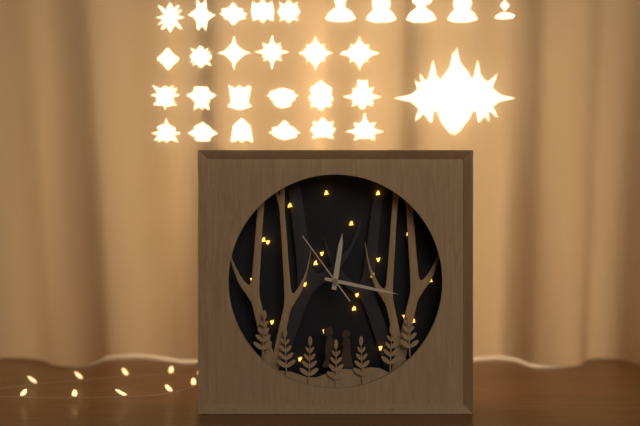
{"hour": 12, "minute": 17, "second": 54}
